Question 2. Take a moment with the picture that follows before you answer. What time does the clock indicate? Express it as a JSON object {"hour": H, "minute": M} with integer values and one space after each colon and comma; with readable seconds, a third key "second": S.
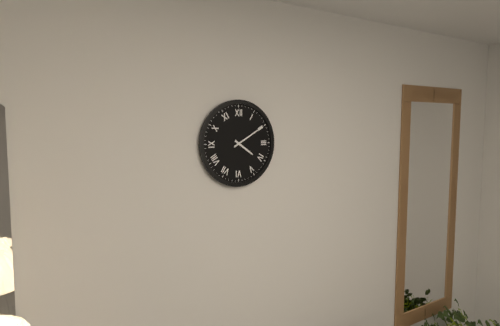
{"hour": 4, "minute": 10}
